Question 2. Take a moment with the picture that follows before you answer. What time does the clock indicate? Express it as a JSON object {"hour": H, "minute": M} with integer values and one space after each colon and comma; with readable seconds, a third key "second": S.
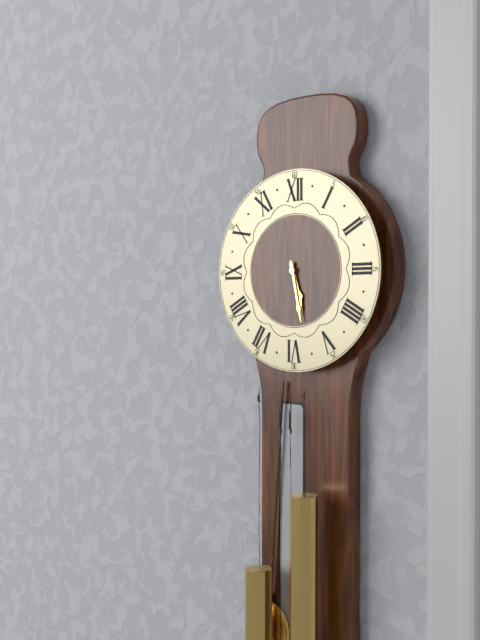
{"hour": 5, "minute": 28}
